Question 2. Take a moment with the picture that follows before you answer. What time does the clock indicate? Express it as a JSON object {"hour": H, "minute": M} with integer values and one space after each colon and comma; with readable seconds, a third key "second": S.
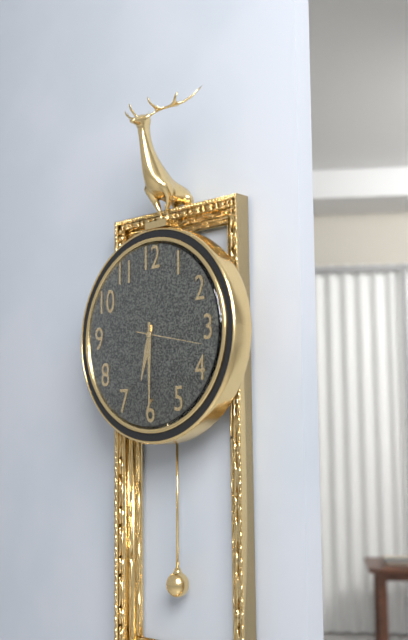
{"hour": 6, "minute": 30, "second": 17}
